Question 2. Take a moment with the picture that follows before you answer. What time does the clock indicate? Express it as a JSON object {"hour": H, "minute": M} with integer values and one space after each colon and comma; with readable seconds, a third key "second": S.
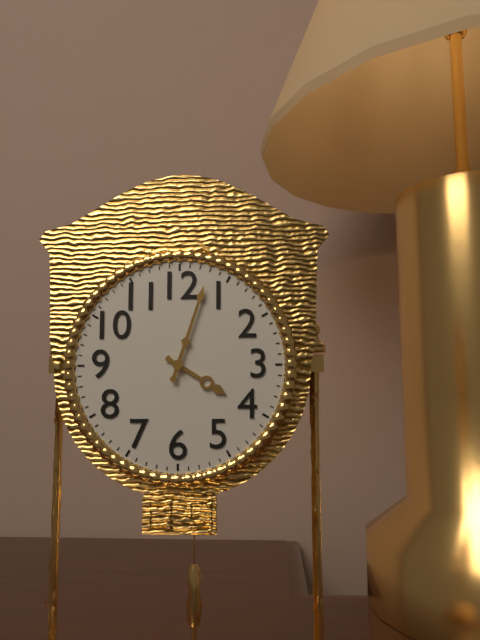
{"hour": 4, "minute": 3}
